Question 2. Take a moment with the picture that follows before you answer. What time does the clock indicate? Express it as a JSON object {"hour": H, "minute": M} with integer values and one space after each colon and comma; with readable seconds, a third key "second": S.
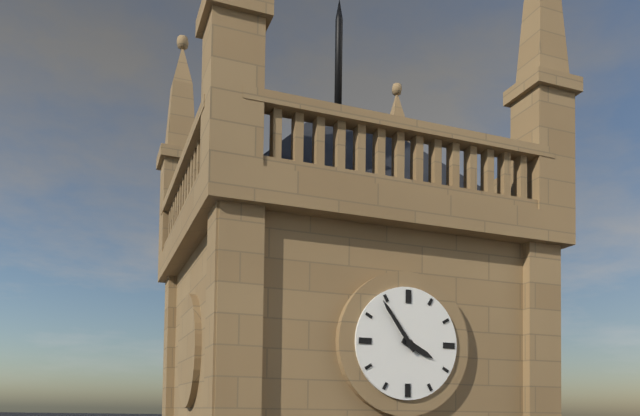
{"hour": 3, "minute": 54}
